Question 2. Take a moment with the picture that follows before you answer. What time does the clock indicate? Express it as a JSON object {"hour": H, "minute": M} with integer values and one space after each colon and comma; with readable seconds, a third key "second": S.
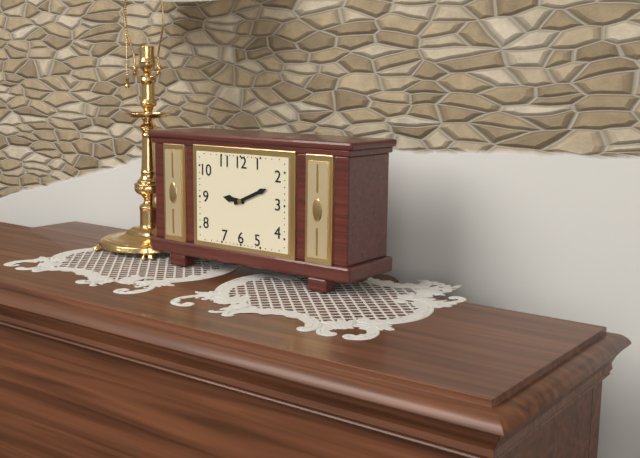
{"hour": 9, "minute": 11}
